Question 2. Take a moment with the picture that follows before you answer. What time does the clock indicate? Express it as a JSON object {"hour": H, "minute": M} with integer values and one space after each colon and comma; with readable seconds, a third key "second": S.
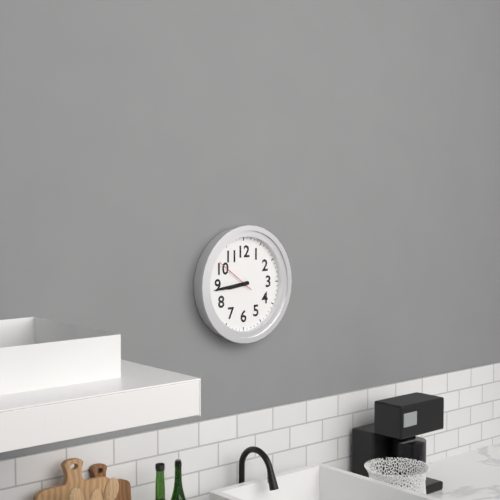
{"hour": 8, "minute": 44}
